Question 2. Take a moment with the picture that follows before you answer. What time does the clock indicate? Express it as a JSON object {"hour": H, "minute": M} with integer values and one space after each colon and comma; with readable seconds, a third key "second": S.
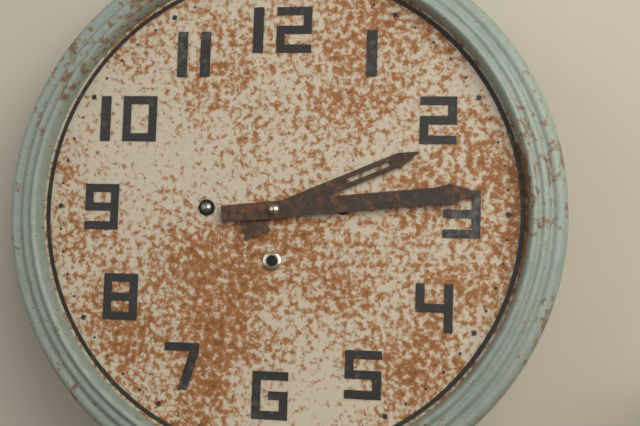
{"hour": 2, "minute": 14}
